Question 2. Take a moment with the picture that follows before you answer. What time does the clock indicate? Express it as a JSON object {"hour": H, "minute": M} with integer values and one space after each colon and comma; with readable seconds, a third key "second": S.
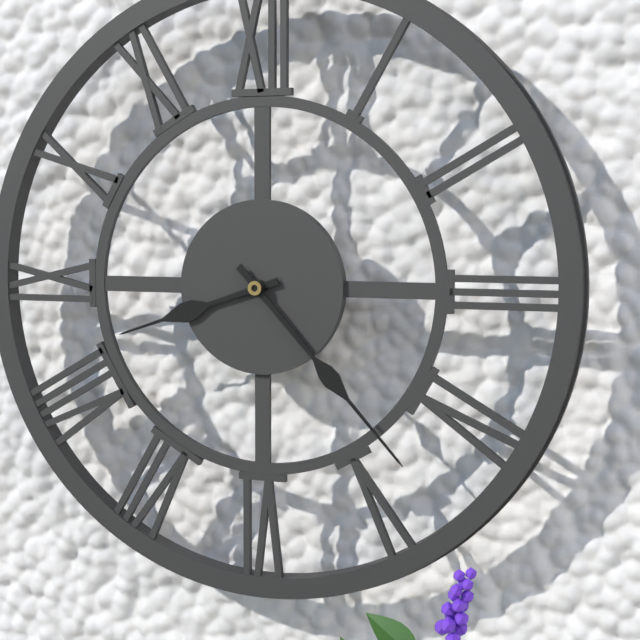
{"hour": 8, "minute": 23}
